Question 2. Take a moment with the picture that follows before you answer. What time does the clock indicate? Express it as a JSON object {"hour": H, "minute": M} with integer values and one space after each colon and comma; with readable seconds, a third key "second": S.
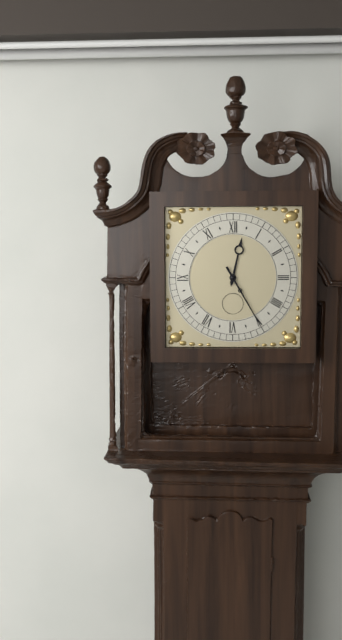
{"hour": 12, "minute": 25}
